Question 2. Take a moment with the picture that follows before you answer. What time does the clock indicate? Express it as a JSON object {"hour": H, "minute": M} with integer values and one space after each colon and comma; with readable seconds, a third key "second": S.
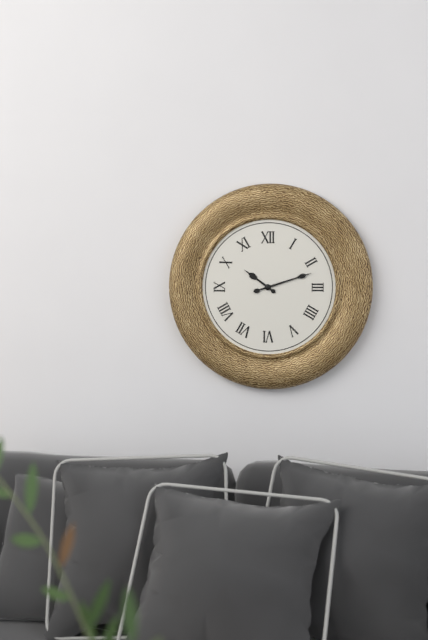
{"hour": 10, "minute": 12}
